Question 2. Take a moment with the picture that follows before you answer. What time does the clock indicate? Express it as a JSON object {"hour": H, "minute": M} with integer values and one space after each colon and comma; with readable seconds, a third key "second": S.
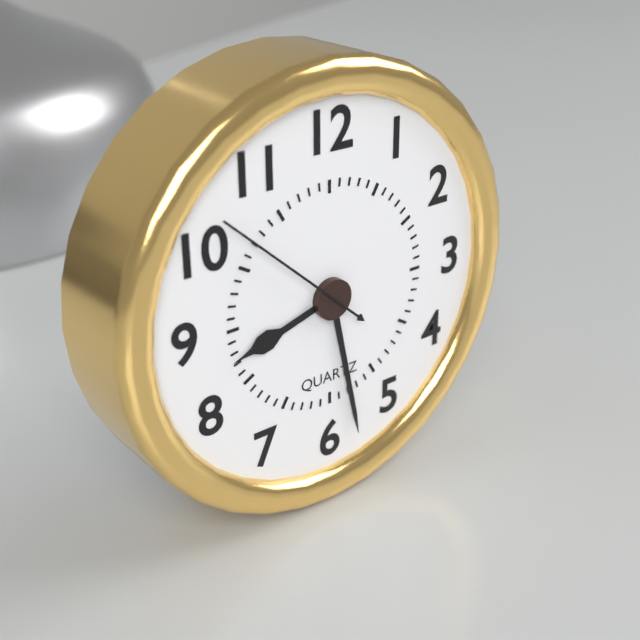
{"hour": 8, "minute": 28, "second": 52}
